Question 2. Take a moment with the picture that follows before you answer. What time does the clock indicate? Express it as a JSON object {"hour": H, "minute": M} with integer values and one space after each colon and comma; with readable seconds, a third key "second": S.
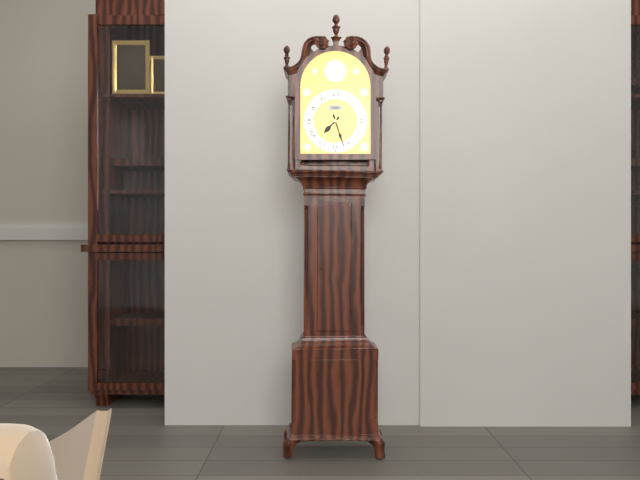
{"hour": 7, "minute": 27}
